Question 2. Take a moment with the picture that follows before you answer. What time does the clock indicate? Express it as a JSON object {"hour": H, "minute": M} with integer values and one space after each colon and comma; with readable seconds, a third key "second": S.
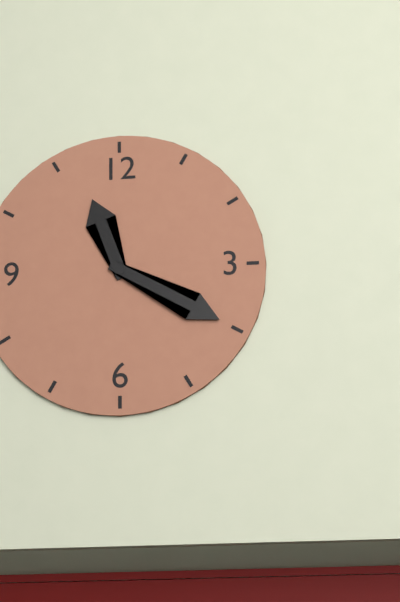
{"hour": 11, "minute": 20}
